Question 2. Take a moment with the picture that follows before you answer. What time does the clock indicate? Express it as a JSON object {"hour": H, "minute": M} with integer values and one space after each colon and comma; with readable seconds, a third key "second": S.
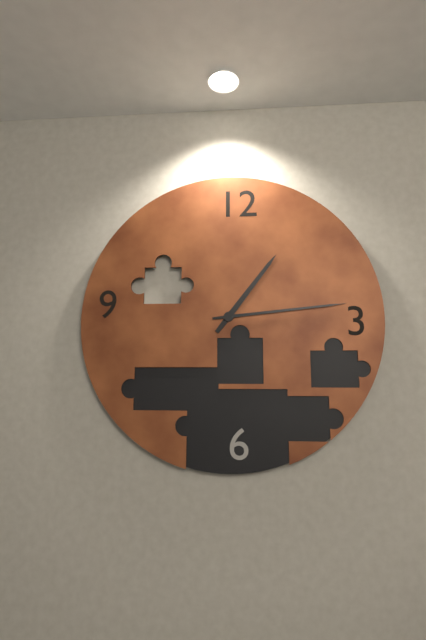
{"hour": 1, "minute": 14}
